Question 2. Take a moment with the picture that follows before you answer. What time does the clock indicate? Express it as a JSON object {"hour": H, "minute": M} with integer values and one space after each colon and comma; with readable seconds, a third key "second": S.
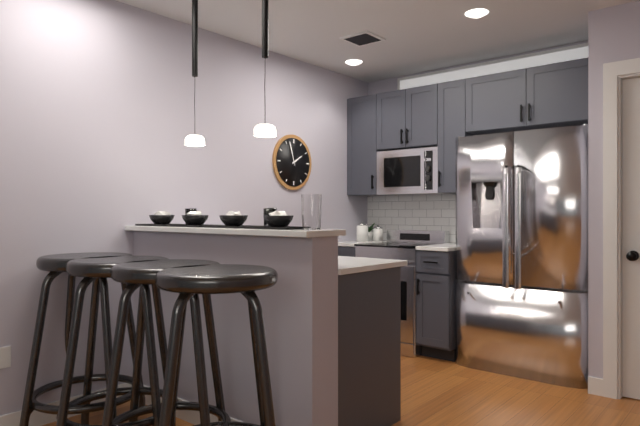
{"hour": 1, "minute": 57}
